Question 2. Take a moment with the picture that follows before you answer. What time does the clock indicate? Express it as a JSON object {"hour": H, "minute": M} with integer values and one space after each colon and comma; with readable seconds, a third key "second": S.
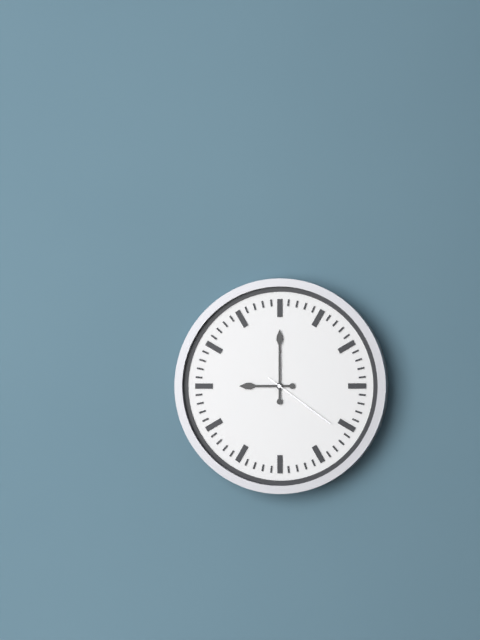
{"hour": 9, "minute": 0, "second": 21}
